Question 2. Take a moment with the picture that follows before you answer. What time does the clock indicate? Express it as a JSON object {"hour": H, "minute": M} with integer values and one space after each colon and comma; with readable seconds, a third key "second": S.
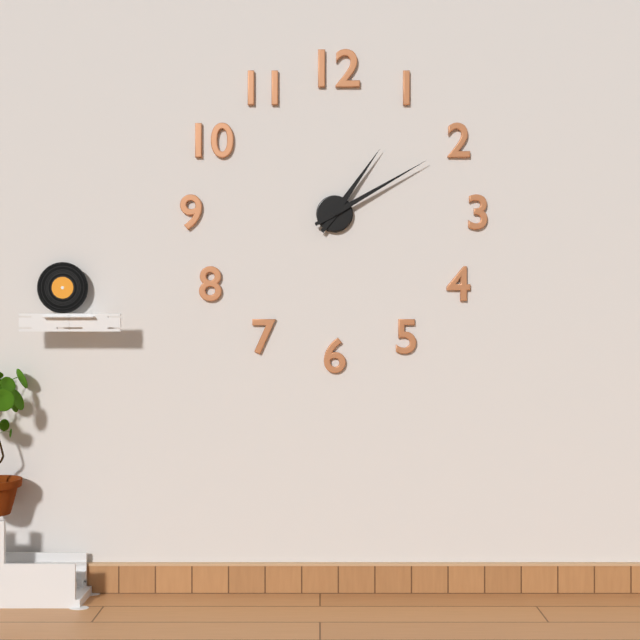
{"hour": 1, "minute": 10}
